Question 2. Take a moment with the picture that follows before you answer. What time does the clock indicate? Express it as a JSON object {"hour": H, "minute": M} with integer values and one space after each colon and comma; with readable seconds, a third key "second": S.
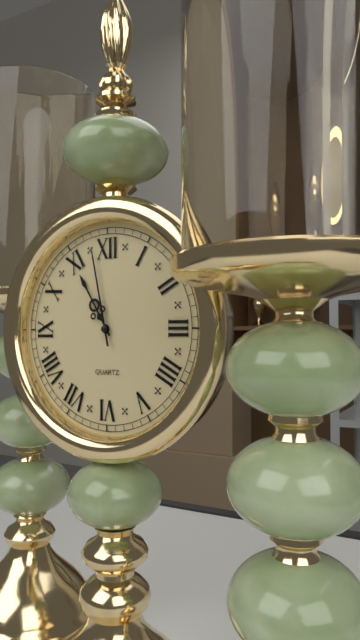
{"hour": 10, "minute": 58}
